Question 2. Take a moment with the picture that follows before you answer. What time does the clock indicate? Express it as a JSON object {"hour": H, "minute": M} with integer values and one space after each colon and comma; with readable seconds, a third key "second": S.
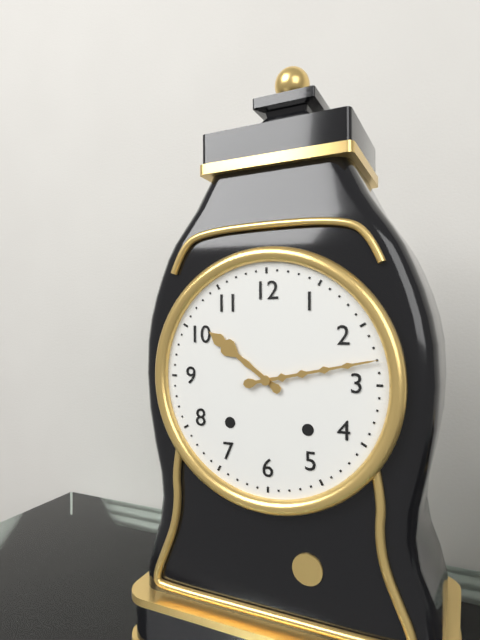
{"hour": 10, "minute": 13}
